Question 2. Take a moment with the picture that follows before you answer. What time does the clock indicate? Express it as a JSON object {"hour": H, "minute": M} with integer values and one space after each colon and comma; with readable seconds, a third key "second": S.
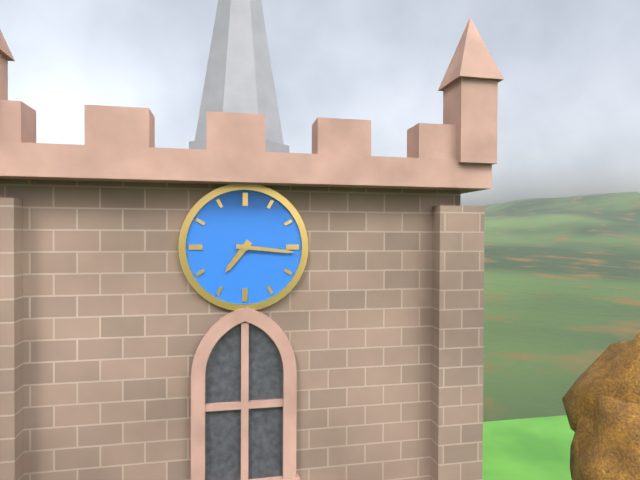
{"hour": 7, "minute": 16}
